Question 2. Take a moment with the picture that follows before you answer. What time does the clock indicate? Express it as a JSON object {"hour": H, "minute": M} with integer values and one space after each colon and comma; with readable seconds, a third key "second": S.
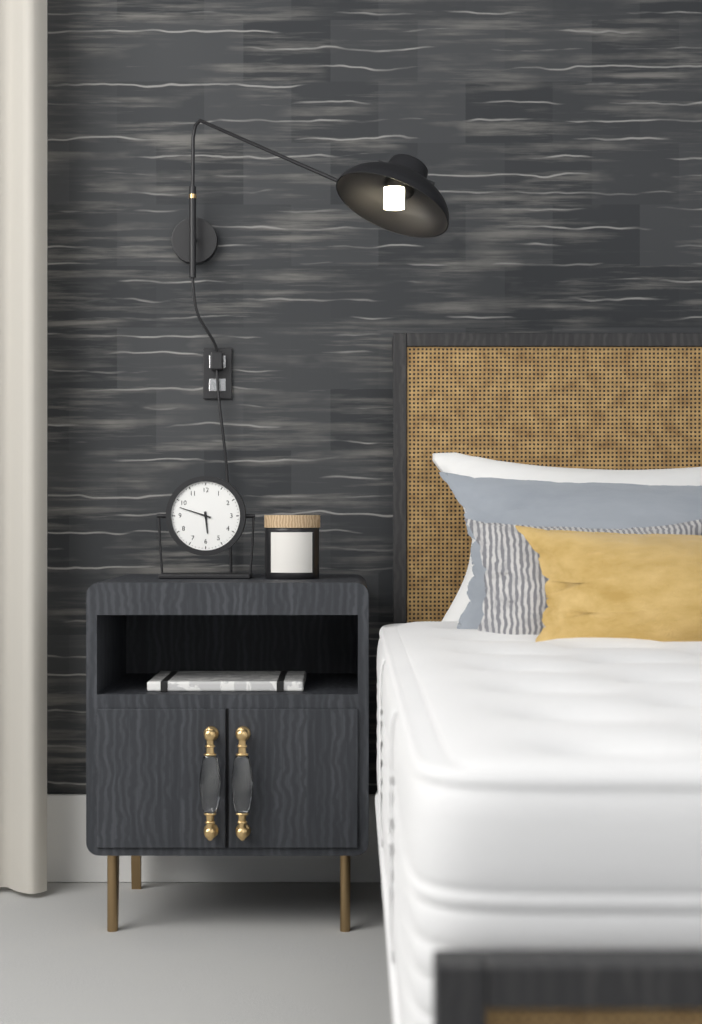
{"hour": 5, "minute": 48}
